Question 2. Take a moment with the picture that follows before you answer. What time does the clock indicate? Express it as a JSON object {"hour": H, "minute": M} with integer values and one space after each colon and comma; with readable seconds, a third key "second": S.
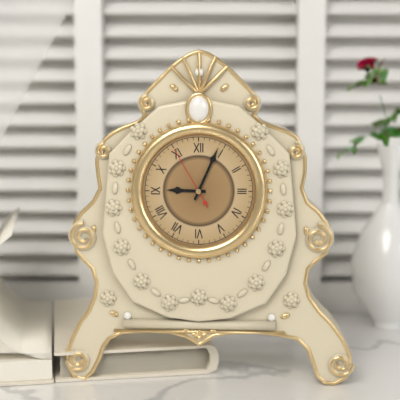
{"hour": 9, "minute": 4, "second": 55}
